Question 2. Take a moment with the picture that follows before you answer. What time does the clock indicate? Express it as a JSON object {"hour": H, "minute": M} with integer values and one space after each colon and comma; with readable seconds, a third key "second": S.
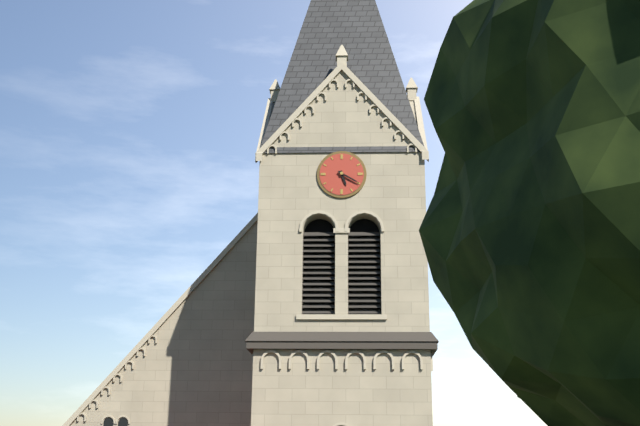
{"hour": 5, "minute": 20}
